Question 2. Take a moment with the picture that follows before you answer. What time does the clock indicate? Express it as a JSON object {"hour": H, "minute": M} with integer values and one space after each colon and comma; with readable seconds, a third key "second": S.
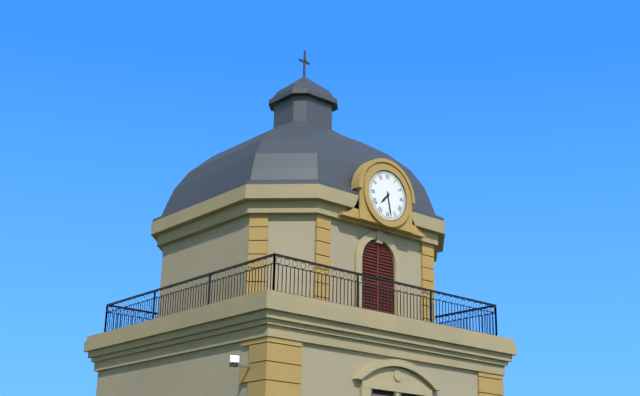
{"hour": 7, "minute": 28}
